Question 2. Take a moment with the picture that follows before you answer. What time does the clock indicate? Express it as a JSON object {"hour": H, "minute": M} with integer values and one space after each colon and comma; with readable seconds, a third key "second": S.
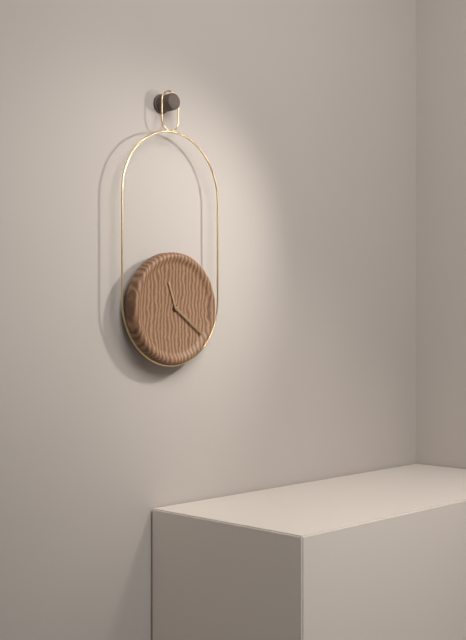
{"hour": 11, "minute": 21}
